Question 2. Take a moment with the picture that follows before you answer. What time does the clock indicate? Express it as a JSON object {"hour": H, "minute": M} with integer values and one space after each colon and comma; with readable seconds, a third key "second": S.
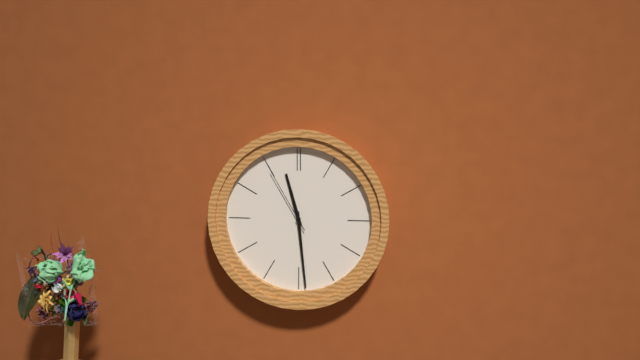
{"hour": 11, "minute": 29, "second": 55}
